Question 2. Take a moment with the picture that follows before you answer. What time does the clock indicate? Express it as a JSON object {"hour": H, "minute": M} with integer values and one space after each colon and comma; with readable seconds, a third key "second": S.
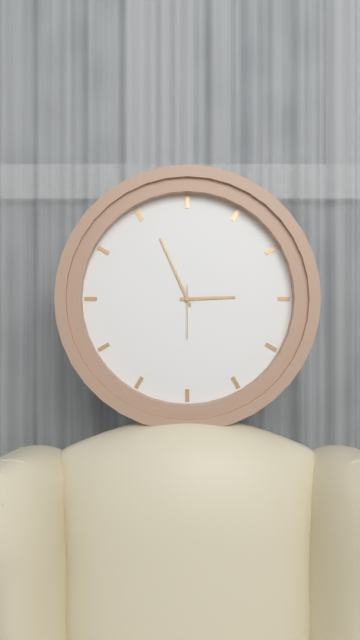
{"hour": 2, "minute": 56, "second": 30}
